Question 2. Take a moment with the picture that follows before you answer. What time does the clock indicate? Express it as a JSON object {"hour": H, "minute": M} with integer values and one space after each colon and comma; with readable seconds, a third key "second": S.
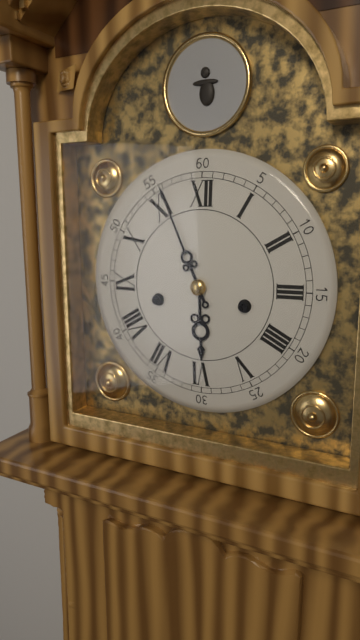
{"hour": 5, "minute": 56}
